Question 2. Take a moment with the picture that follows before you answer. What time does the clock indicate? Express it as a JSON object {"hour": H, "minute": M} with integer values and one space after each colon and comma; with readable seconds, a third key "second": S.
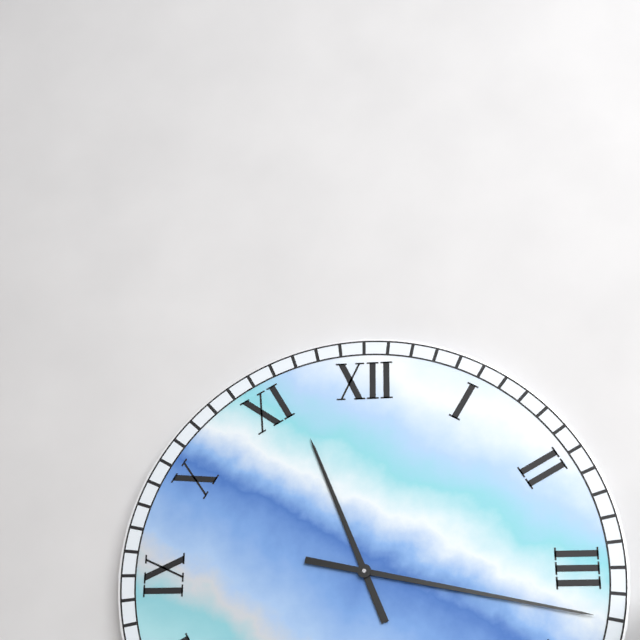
{"hour": 11, "minute": 17}
